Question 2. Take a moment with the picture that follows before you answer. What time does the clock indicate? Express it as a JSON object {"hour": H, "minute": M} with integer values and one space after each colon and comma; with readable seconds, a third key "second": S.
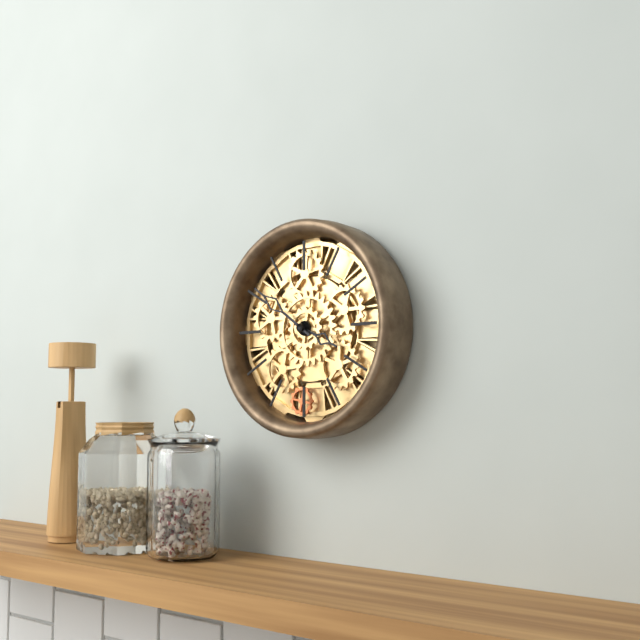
{"hour": 3, "minute": 51}
